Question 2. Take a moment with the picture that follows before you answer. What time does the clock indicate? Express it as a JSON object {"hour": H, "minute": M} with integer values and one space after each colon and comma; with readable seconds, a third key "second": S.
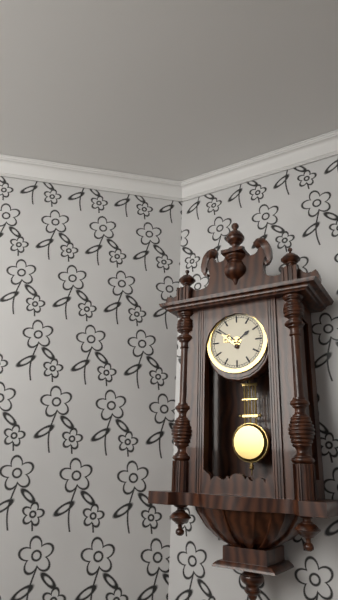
{"hour": 1, "minute": 51}
